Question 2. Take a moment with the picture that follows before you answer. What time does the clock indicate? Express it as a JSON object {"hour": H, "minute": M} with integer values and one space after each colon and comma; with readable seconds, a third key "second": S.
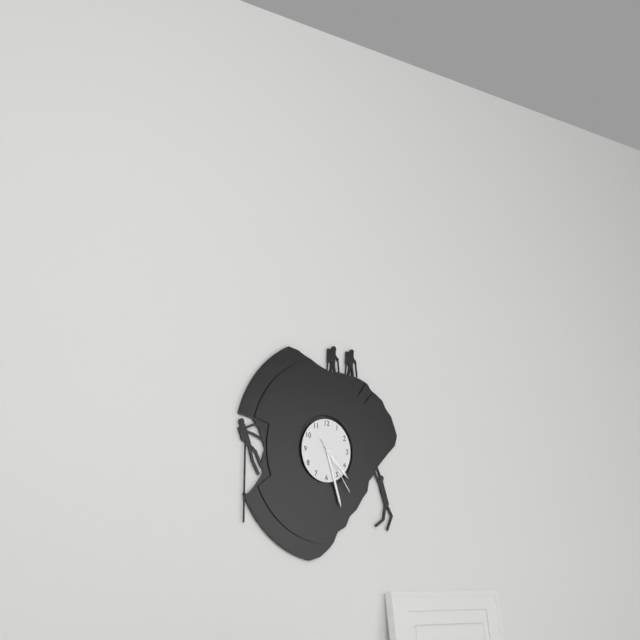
{"hour": 4, "minute": 27, "second": 24}
